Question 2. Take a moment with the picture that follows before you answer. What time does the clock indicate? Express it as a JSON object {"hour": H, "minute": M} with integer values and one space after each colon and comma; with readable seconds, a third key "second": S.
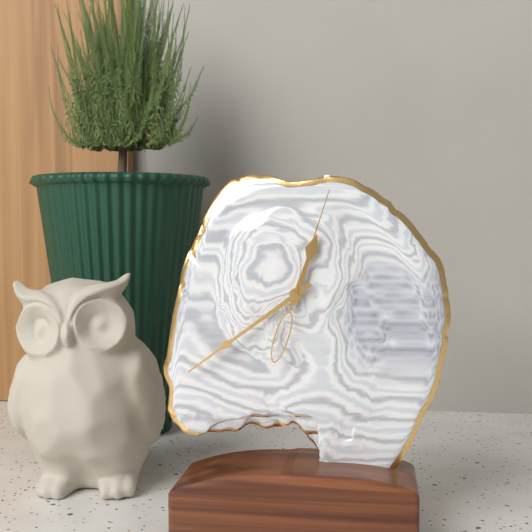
{"hour": 12, "minute": 39, "second": 3}
